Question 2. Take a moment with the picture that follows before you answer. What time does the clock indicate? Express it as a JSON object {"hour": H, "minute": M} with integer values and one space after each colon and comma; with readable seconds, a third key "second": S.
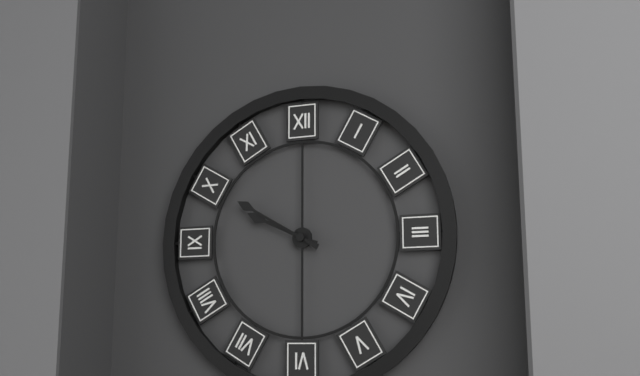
{"hour": 9, "minute": 50}
